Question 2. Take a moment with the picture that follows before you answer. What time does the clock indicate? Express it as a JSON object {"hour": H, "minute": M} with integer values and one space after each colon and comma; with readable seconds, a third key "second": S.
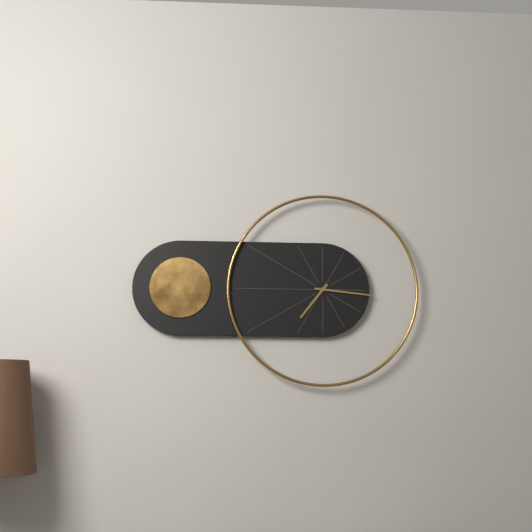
{"hour": 7, "minute": 16}
